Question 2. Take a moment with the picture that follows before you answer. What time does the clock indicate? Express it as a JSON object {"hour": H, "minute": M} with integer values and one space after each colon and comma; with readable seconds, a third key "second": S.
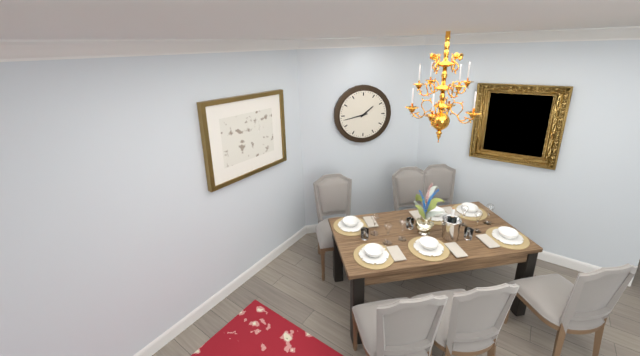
{"hour": 1, "minute": 43}
